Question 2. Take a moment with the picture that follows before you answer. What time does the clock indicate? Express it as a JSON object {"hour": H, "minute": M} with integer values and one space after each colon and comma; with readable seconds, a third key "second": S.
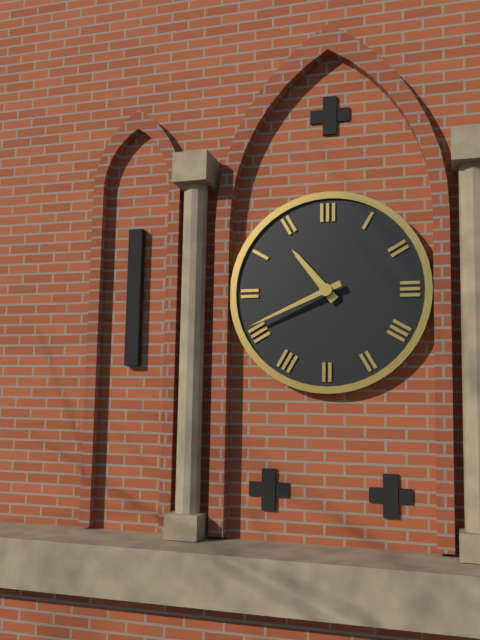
{"hour": 10, "minute": 41}
